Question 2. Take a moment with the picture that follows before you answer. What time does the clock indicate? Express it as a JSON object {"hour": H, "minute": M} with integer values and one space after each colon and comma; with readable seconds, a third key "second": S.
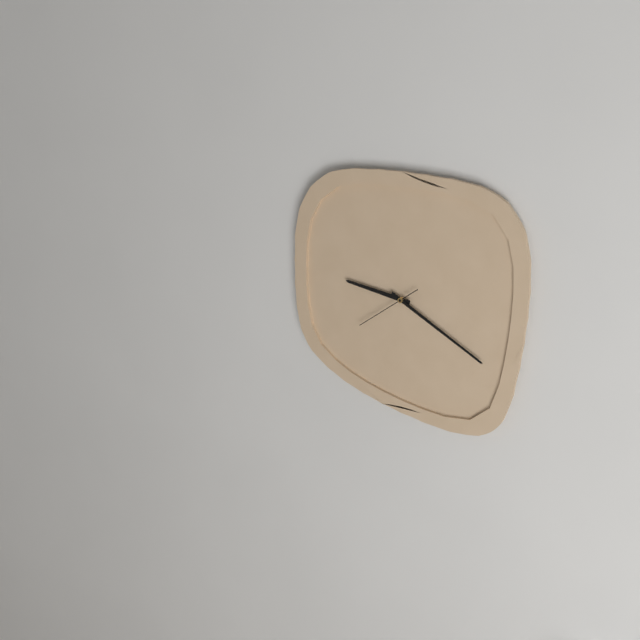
{"hour": 9, "minute": 20, "second": 39}
